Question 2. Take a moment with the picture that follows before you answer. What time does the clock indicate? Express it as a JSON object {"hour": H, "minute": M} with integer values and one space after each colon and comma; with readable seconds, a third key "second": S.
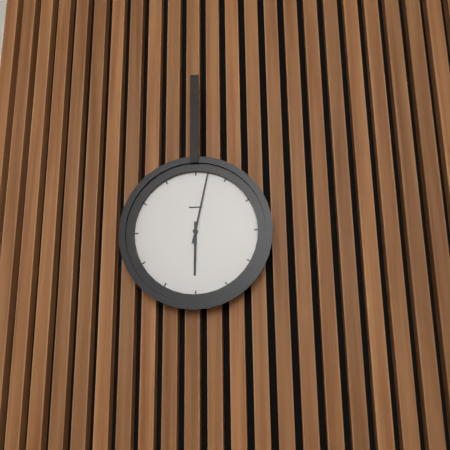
{"hour": 6, "minute": 2}
